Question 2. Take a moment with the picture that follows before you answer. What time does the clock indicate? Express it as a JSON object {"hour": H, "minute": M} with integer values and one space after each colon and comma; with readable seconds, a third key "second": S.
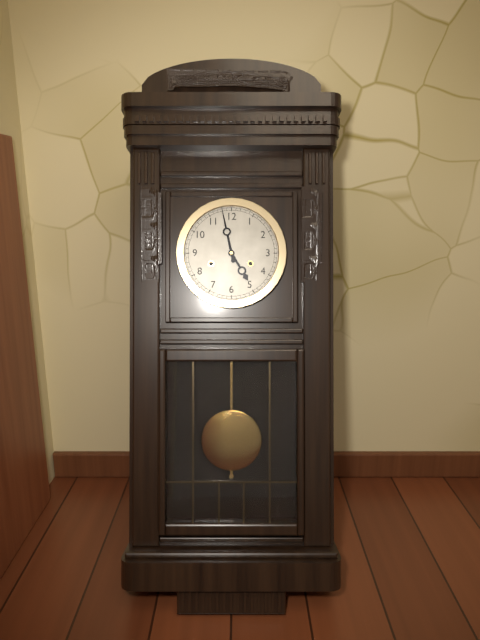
{"hour": 4, "minute": 58}
